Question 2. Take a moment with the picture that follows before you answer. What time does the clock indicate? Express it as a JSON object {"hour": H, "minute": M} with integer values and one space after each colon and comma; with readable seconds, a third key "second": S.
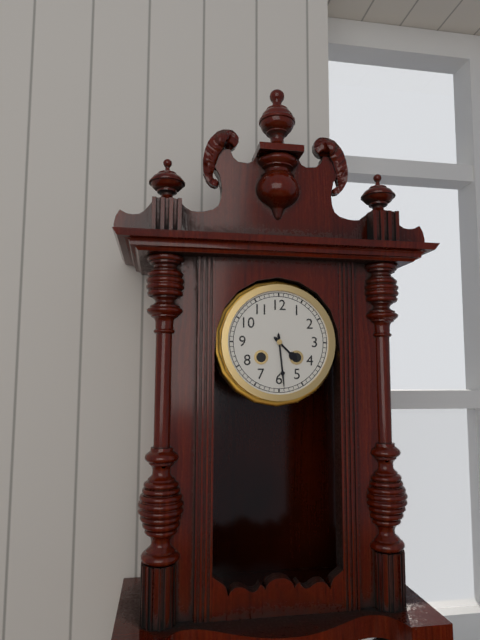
{"hour": 4, "minute": 29}
